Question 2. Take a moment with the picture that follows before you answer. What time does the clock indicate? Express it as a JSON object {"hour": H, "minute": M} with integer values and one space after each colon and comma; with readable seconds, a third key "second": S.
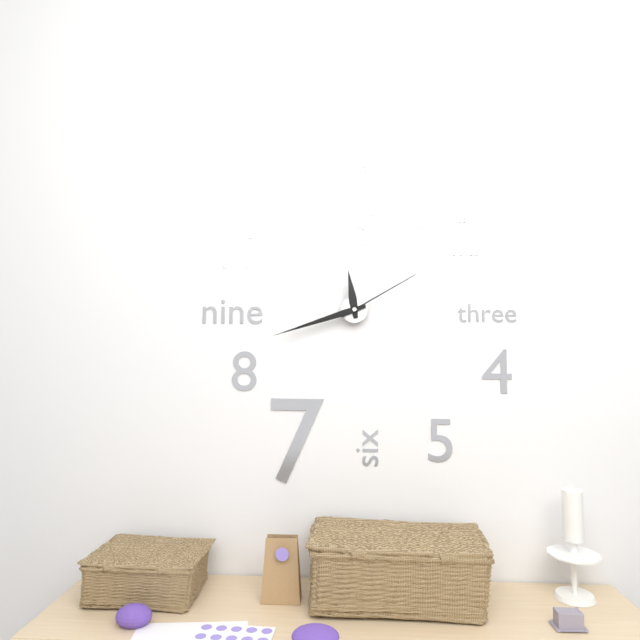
{"hour": 11, "minute": 42, "second": 10}
